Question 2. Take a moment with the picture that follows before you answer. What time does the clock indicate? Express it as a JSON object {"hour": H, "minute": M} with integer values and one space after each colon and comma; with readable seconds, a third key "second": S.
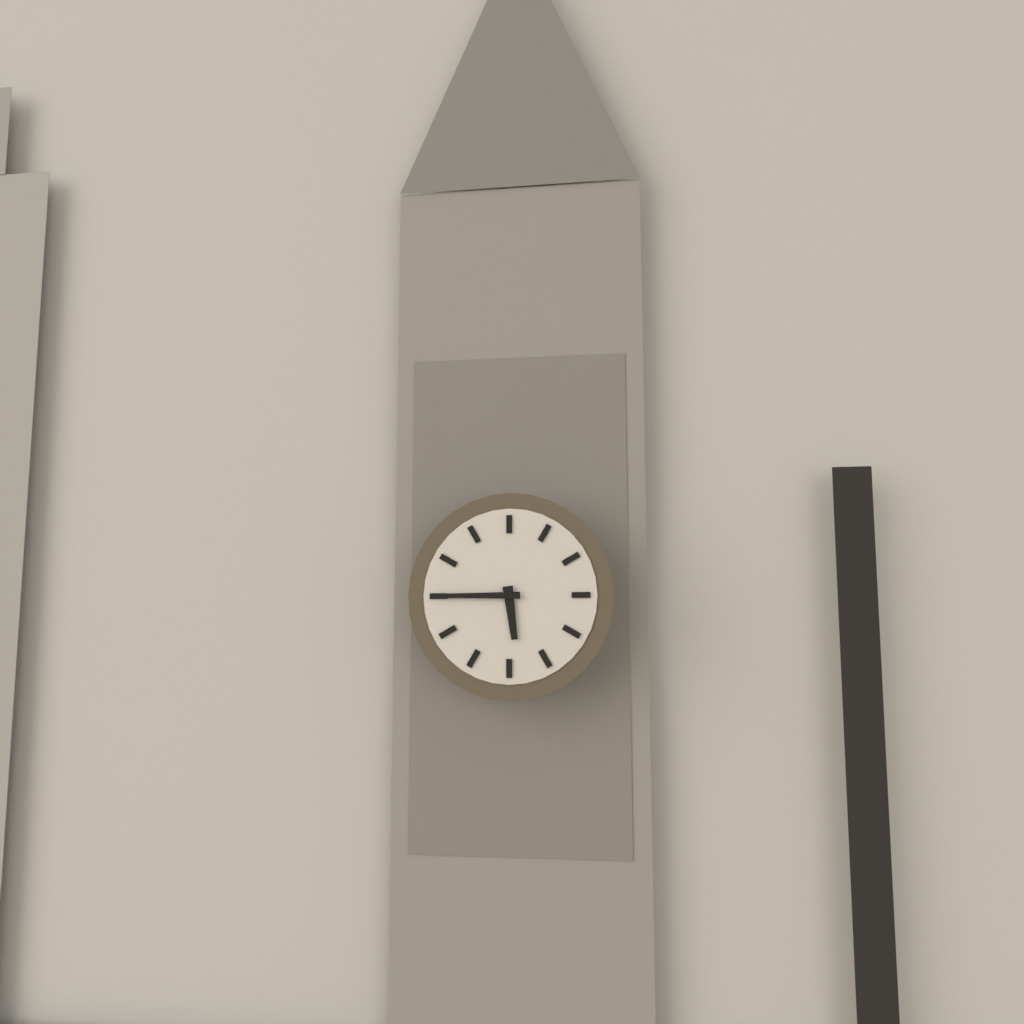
{"hour": 5, "minute": 45}
